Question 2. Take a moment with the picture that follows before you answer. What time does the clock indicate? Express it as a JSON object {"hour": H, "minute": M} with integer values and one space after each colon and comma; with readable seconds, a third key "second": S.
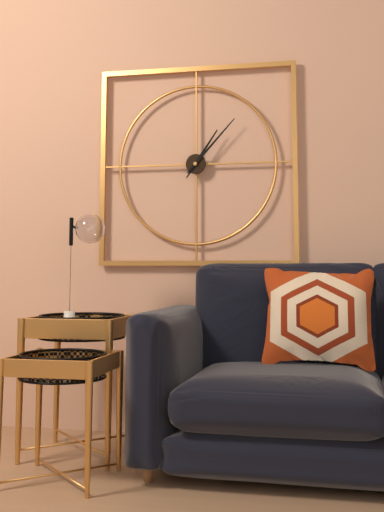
{"hour": 1, "minute": 7}
